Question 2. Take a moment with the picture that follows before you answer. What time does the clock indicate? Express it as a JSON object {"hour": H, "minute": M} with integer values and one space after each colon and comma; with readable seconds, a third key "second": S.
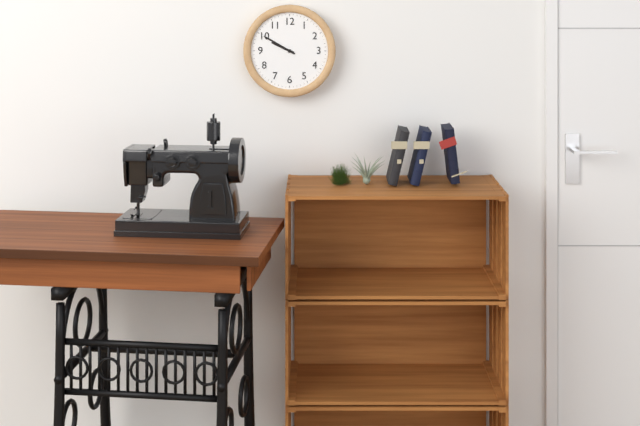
{"hour": 9, "minute": 50}
